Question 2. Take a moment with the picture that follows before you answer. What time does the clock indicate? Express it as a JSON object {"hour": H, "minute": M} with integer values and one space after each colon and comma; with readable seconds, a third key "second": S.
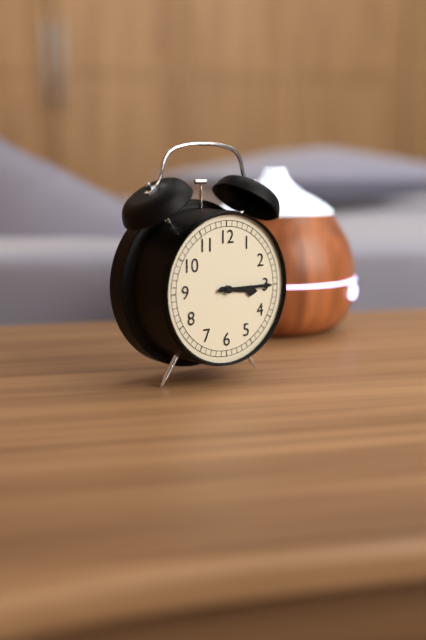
{"hour": 3, "minute": 15}
